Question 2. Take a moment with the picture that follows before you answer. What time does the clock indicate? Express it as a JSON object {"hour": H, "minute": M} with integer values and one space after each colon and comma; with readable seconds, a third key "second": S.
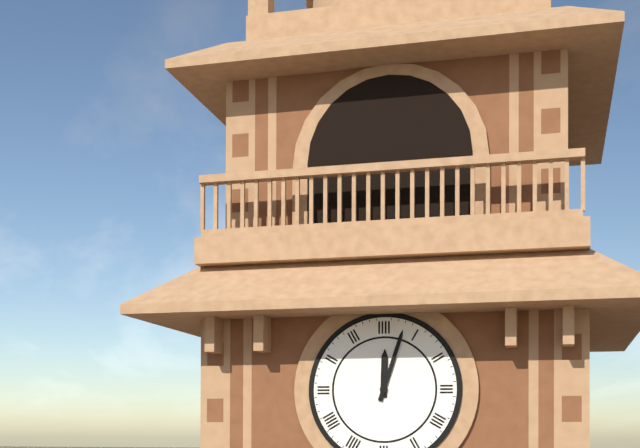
{"hour": 12, "minute": 3}
